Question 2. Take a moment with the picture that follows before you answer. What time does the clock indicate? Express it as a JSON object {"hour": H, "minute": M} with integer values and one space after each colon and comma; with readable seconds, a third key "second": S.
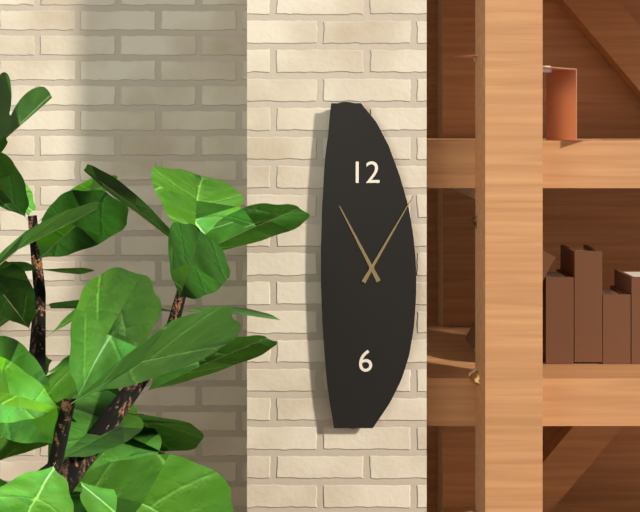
{"hour": 11, "minute": 5}
